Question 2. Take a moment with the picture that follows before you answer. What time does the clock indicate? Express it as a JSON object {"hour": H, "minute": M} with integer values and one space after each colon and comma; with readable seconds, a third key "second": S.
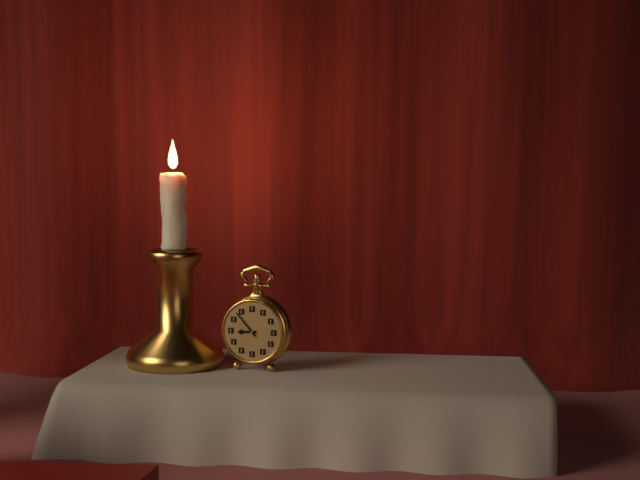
{"hour": 8, "minute": 53}
